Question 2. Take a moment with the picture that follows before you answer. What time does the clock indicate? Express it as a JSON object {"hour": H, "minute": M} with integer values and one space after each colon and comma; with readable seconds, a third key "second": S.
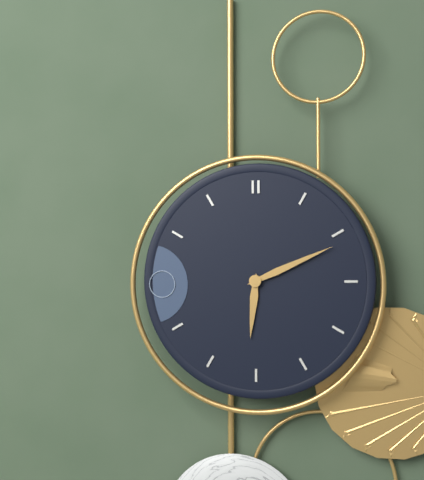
{"hour": 6, "minute": 11}
